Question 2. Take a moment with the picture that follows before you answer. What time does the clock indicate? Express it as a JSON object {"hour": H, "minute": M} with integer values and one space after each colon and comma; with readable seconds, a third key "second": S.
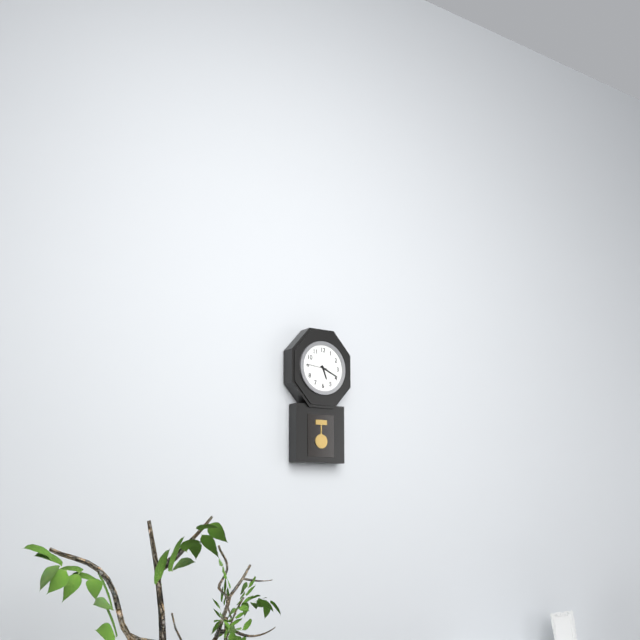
{"hour": 5, "minute": 19}
